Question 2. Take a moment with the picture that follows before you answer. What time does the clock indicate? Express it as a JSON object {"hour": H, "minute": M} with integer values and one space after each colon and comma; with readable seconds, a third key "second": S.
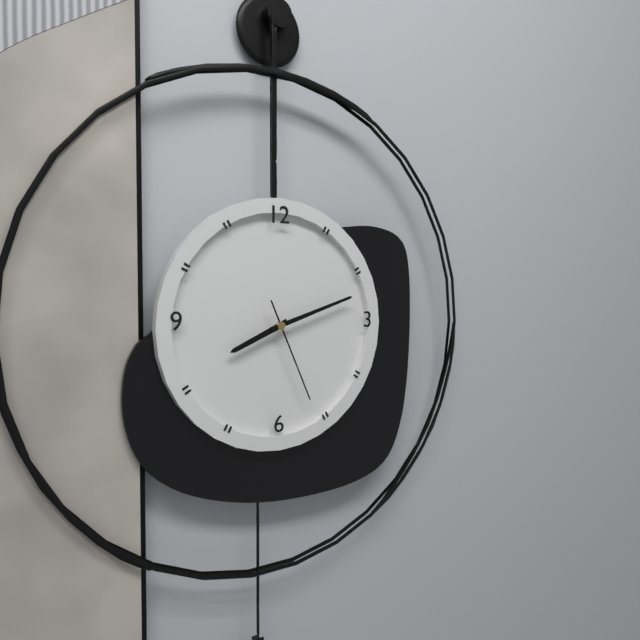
{"hour": 8, "minute": 12, "second": 26}
